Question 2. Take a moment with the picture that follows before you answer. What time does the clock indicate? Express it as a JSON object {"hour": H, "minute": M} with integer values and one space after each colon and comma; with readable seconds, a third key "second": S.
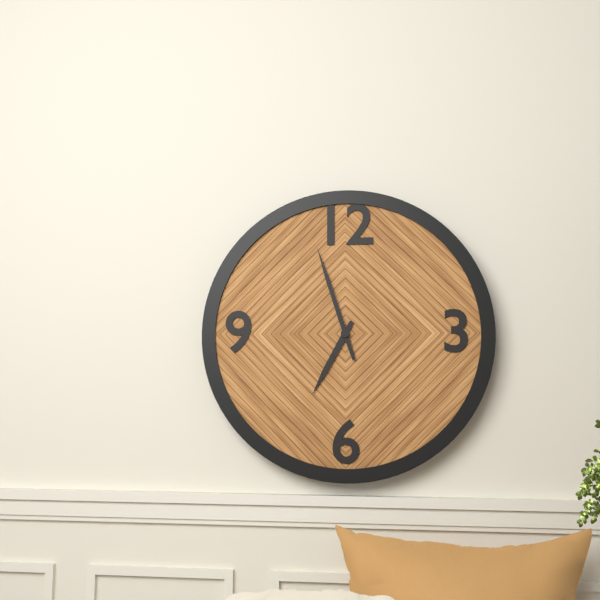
{"hour": 6, "minute": 57}
